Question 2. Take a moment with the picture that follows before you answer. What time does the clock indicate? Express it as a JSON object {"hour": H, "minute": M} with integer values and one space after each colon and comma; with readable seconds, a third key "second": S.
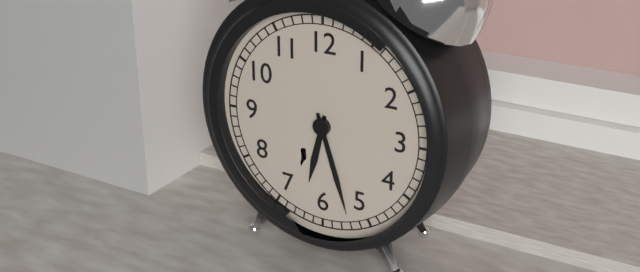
{"hour": 6, "minute": 27}
